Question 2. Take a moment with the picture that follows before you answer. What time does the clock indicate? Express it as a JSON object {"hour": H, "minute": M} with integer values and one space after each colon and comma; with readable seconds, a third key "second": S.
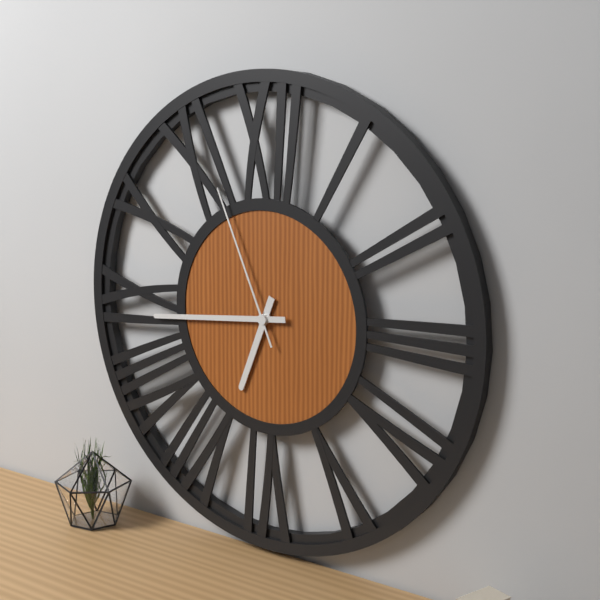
{"hour": 6, "minute": 44, "second": 56}
